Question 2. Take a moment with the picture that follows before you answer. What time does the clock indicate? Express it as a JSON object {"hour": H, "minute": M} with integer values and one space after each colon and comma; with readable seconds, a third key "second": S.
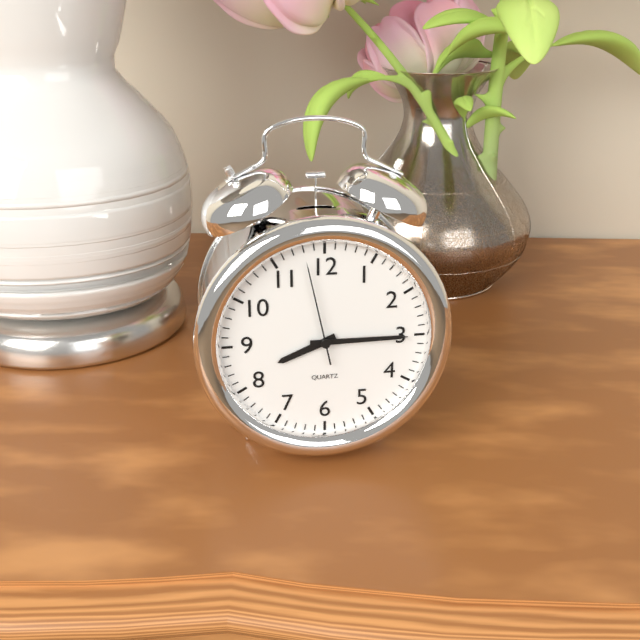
{"hour": 8, "minute": 15, "second": 58}
